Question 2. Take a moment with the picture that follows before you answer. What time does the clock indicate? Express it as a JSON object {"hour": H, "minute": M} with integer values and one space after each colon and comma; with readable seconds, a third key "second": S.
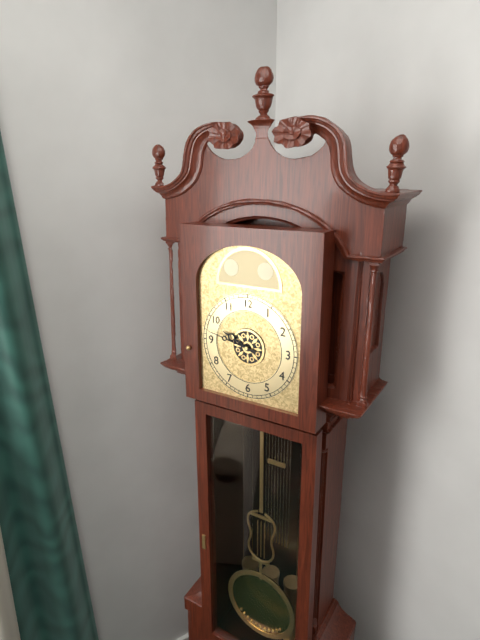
{"hour": 9, "minute": 47}
